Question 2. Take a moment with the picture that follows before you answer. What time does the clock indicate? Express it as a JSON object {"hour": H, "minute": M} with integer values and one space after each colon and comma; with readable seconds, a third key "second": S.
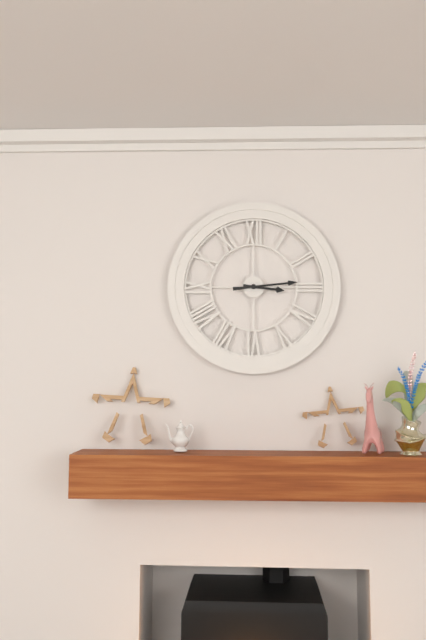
{"hour": 3, "minute": 14}
